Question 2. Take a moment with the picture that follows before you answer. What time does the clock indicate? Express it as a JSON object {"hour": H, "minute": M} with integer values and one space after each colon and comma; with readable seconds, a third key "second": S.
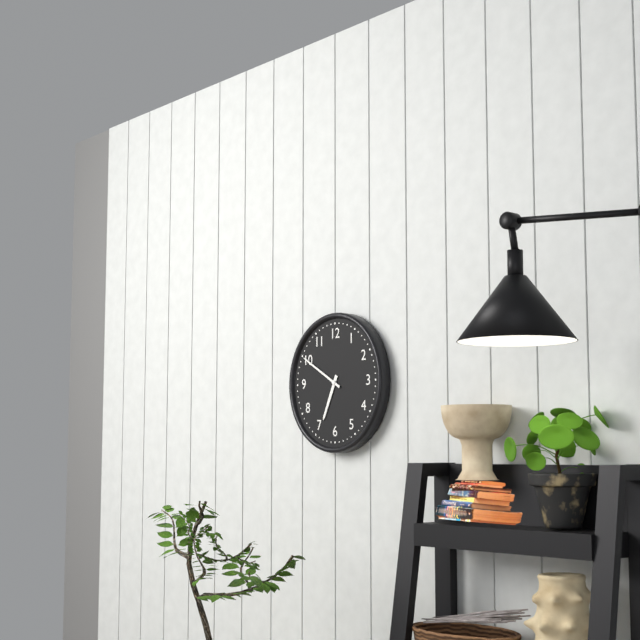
{"hour": 6, "minute": 50}
